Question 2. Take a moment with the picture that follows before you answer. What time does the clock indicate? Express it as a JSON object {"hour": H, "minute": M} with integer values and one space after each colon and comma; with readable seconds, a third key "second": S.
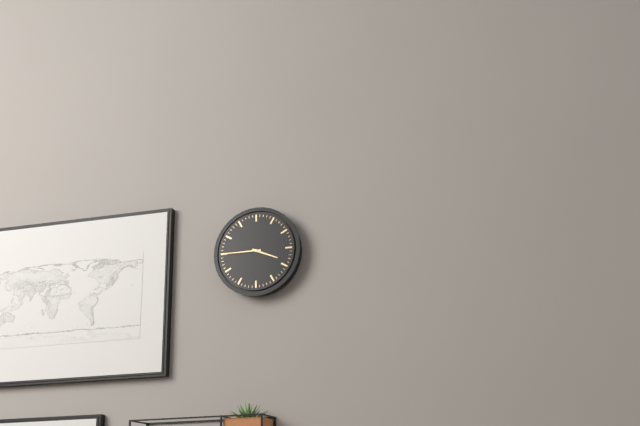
{"hour": 3, "minute": 45}
